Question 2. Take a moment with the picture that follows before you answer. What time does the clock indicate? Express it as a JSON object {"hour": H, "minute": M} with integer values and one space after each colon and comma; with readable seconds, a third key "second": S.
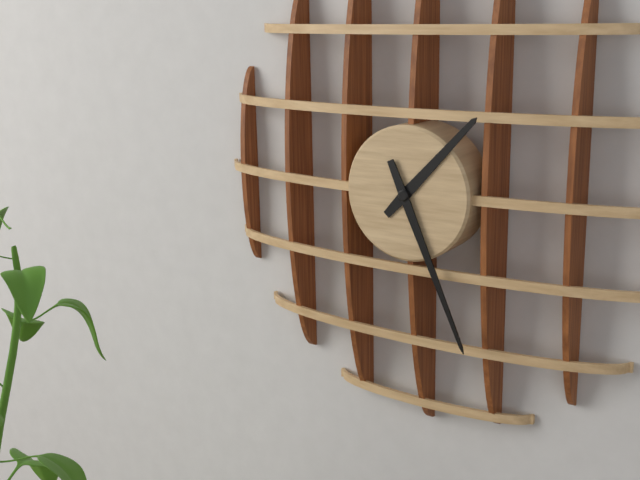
{"hour": 1, "minute": 26}
